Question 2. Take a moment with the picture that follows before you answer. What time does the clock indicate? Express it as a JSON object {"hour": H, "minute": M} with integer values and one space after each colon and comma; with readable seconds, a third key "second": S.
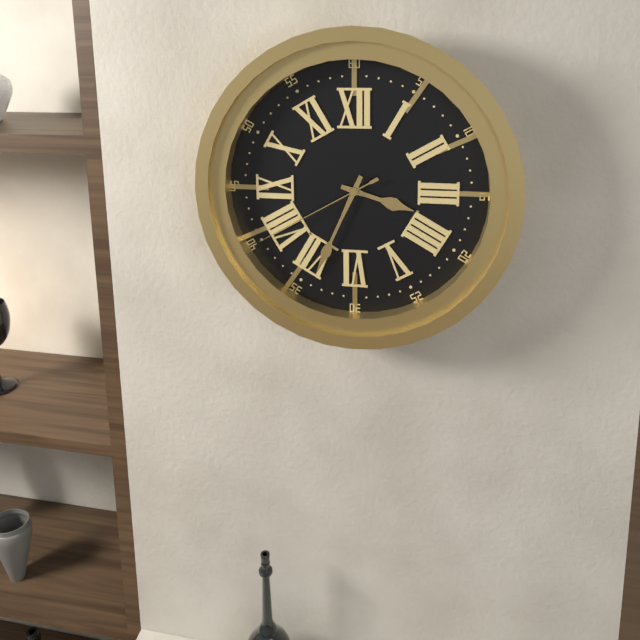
{"hour": 3, "minute": 34, "second": 40}
